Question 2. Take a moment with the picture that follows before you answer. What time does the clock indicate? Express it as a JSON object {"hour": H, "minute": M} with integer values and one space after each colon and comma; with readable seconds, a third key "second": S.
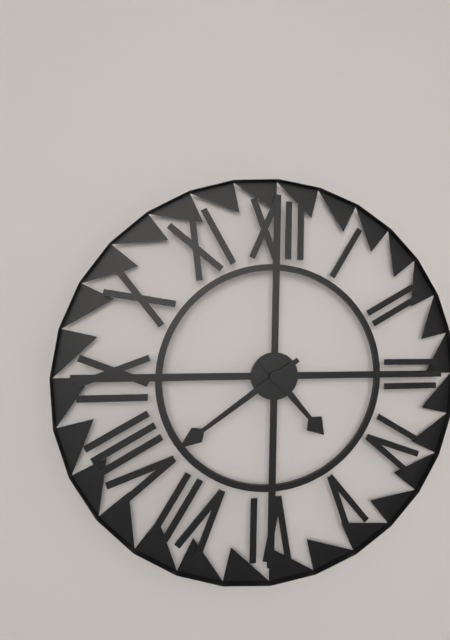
{"hour": 4, "minute": 39}
